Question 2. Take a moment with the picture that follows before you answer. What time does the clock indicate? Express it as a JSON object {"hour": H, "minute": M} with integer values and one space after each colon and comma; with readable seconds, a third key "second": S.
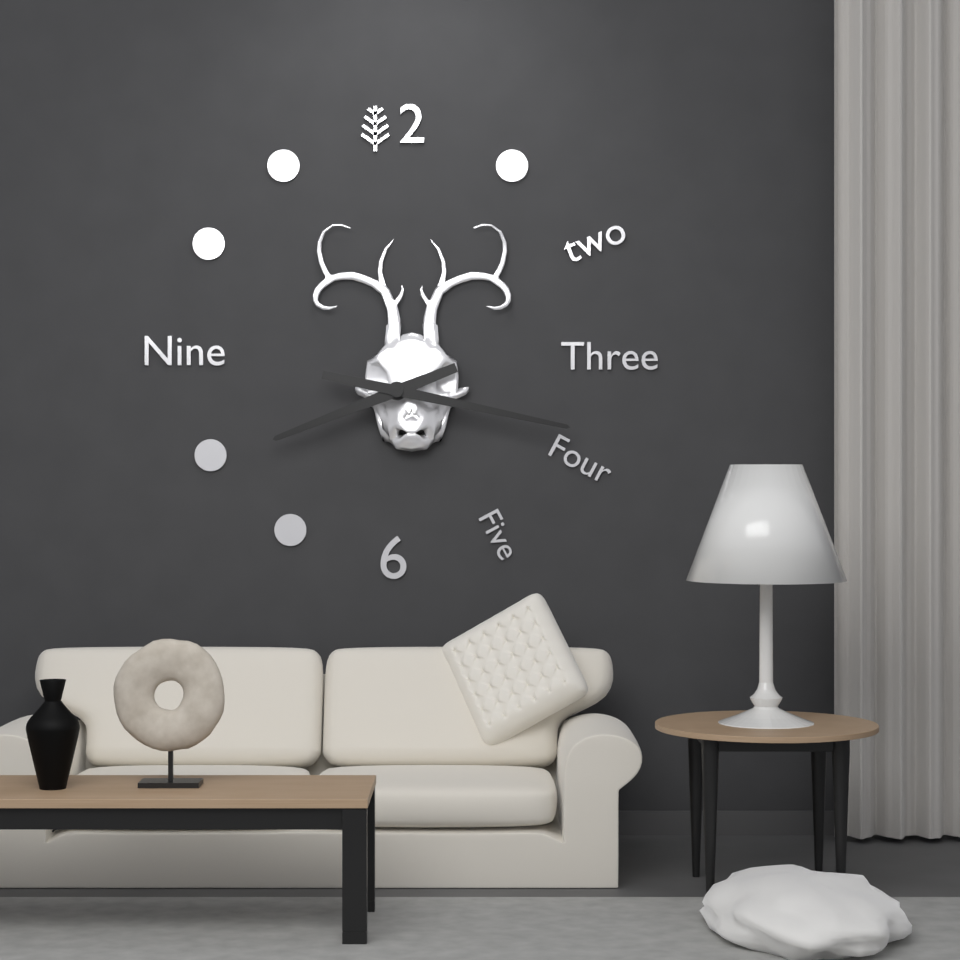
{"hour": 8, "minute": 17}
